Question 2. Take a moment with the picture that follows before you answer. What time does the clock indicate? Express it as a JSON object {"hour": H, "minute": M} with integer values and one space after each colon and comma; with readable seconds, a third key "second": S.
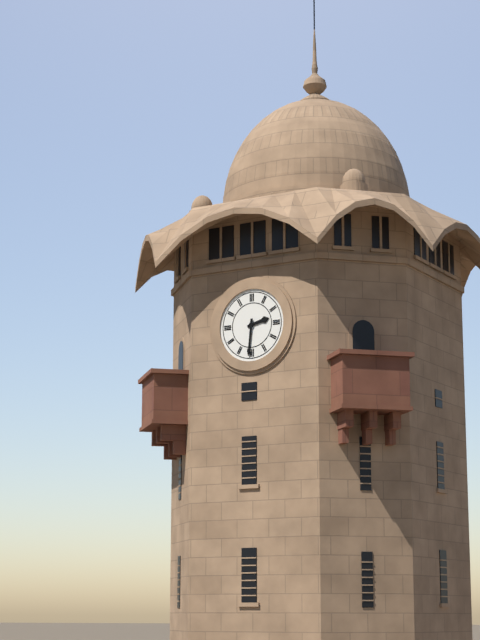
{"hour": 2, "minute": 31}
